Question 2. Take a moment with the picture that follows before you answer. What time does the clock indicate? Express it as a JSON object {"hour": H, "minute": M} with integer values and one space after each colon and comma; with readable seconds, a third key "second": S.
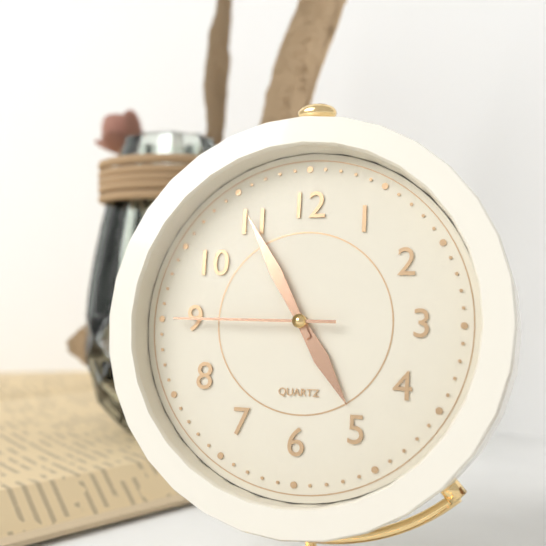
{"hour": 4, "minute": 55, "second": 45}
